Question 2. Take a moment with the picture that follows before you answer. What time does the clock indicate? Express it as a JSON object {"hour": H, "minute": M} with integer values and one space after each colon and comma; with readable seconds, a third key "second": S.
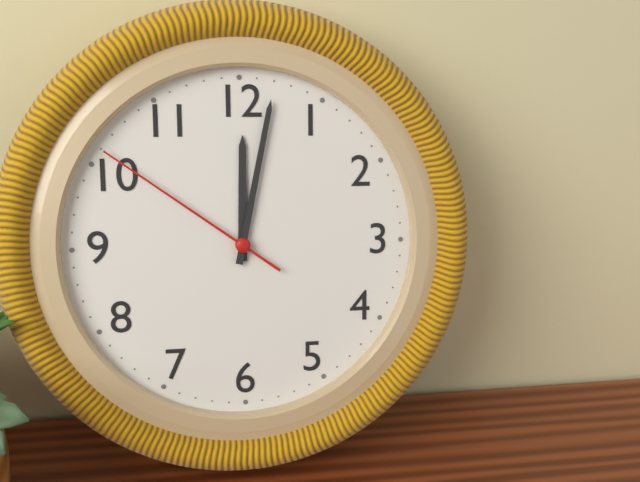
{"hour": 12, "minute": 2, "second": 51}
